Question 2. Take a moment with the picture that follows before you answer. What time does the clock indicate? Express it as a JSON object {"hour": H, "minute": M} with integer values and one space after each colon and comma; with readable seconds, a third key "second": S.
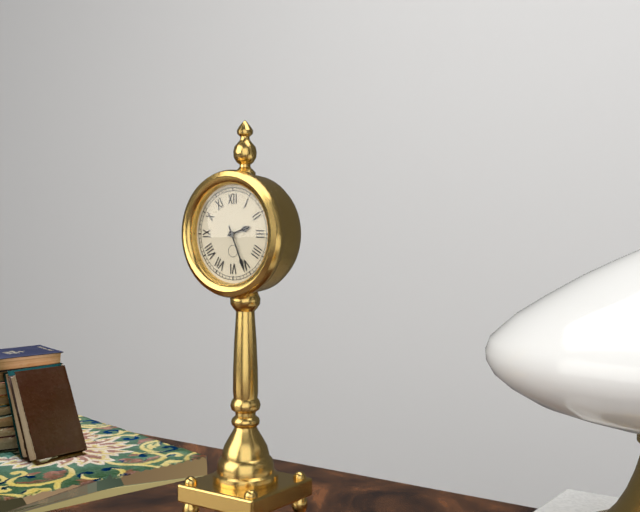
{"hour": 2, "minute": 26}
